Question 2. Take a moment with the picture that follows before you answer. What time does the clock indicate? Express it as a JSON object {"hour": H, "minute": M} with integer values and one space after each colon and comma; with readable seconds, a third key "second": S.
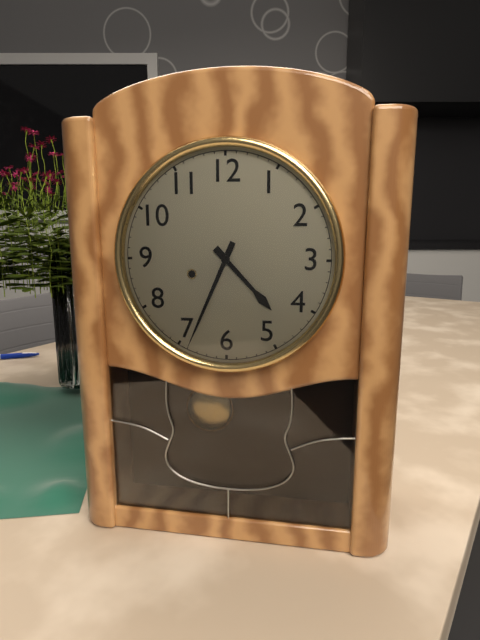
{"hour": 4, "minute": 34}
